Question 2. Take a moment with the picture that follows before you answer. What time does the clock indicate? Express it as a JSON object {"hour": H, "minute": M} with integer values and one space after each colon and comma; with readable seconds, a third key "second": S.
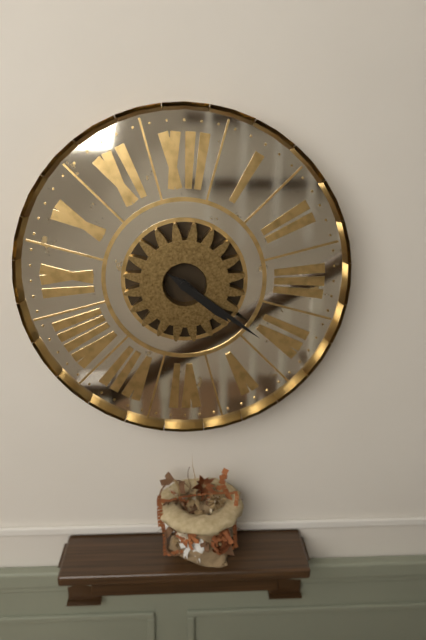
{"hour": 4, "minute": 21}
